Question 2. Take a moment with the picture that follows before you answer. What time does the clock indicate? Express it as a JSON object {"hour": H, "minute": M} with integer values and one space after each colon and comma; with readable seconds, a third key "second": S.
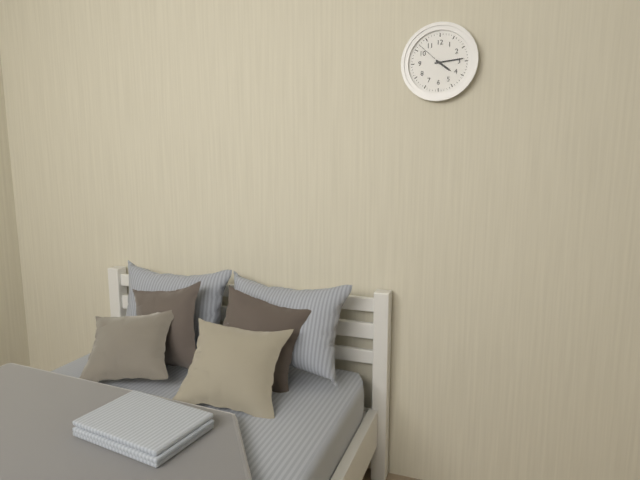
{"hour": 4, "minute": 14}
